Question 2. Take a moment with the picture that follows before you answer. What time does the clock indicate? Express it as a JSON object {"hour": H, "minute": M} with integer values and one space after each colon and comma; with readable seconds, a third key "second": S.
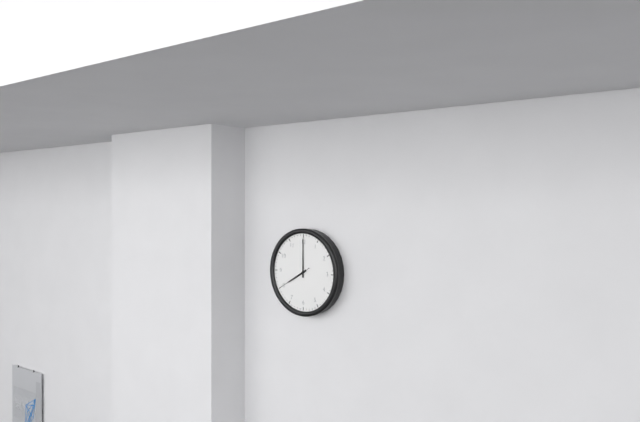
{"hour": 8, "minute": 0}
